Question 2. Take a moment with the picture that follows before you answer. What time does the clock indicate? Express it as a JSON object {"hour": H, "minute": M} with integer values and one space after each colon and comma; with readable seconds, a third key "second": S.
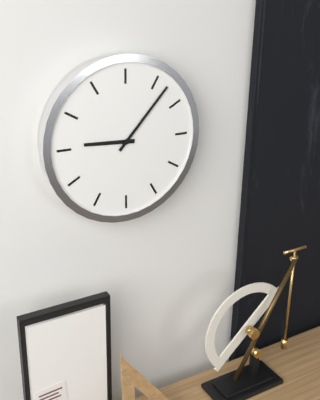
{"hour": 9, "minute": 7}
